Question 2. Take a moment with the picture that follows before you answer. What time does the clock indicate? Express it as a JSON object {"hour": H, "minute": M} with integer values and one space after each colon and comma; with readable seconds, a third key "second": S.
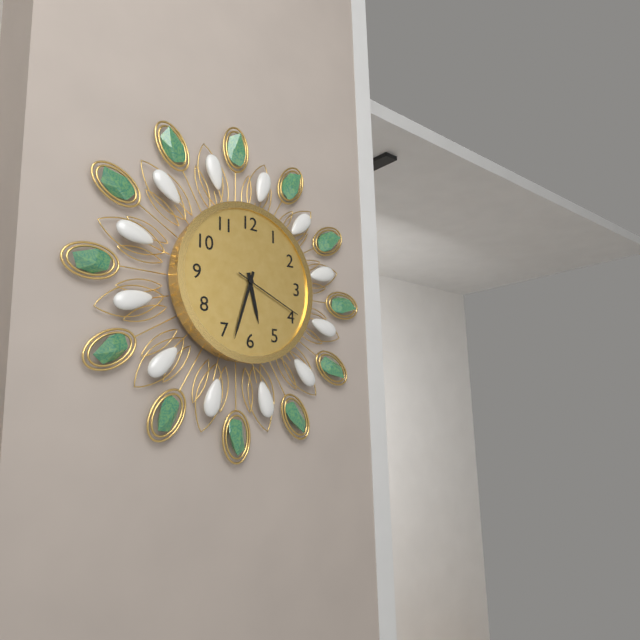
{"hour": 5, "minute": 33, "second": 19}
